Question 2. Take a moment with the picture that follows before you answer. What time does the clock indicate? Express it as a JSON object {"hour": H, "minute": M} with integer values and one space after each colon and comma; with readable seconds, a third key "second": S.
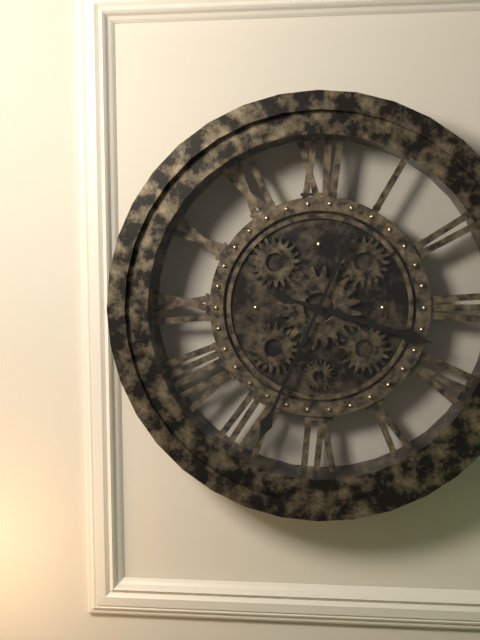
{"hour": 3, "minute": 34}
